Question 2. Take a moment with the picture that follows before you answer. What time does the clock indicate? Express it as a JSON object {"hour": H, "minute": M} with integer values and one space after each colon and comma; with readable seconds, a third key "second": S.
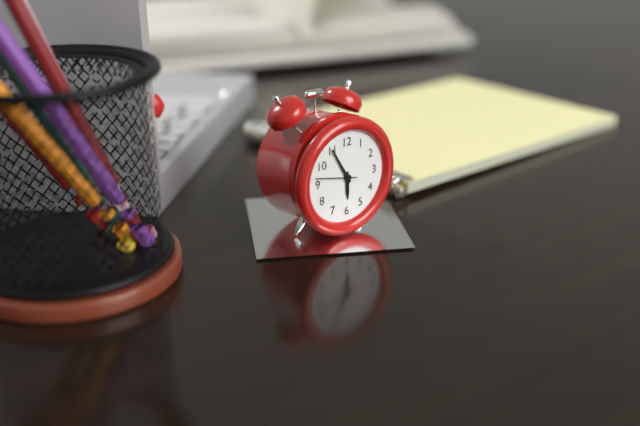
{"hour": 5, "minute": 55}
